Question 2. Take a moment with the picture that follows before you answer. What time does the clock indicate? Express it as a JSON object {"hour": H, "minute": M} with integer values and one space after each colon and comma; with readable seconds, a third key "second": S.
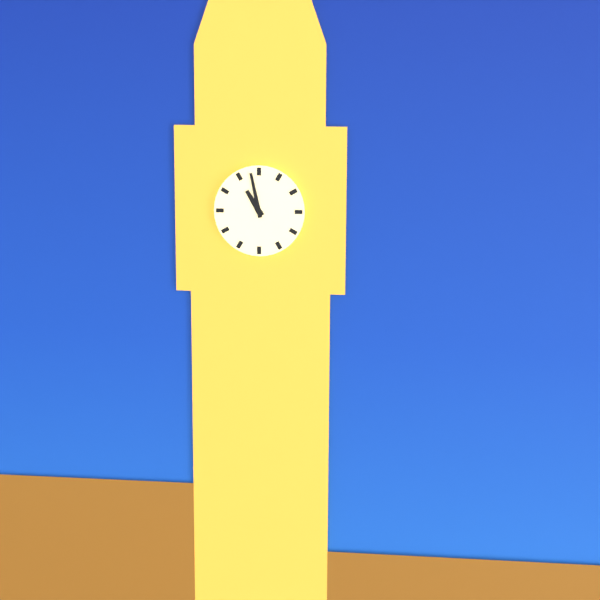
{"hour": 10, "minute": 58}
